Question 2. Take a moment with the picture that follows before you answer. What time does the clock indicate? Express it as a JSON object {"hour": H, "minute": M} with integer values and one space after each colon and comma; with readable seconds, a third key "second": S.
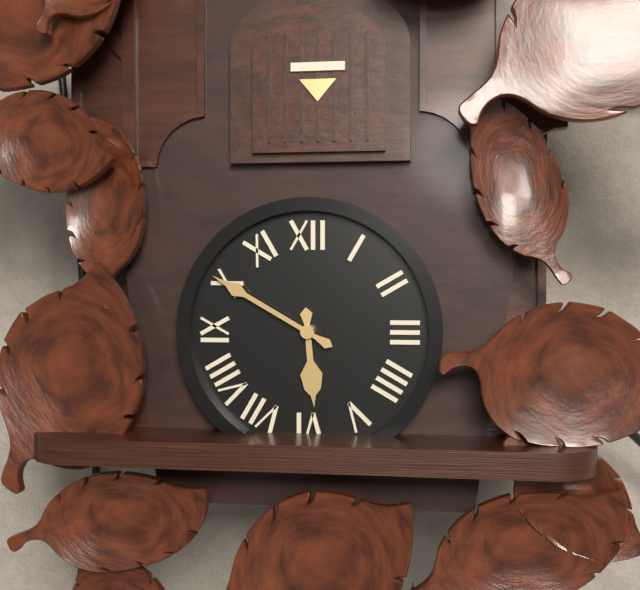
{"hour": 5, "minute": 50}
